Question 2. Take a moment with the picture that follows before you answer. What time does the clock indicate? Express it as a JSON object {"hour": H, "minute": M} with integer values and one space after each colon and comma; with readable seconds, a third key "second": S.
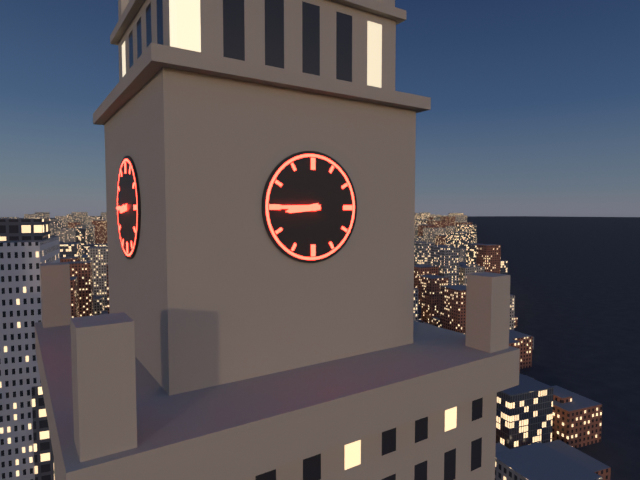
{"hour": 8, "minute": 45}
